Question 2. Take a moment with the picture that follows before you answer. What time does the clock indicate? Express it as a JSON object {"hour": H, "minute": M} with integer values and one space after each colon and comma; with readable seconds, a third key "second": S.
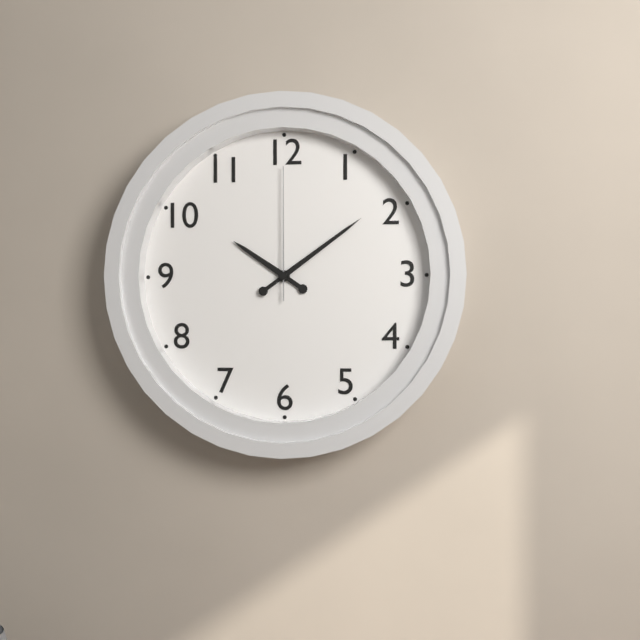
{"hour": 10, "minute": 9, "second": 0}
